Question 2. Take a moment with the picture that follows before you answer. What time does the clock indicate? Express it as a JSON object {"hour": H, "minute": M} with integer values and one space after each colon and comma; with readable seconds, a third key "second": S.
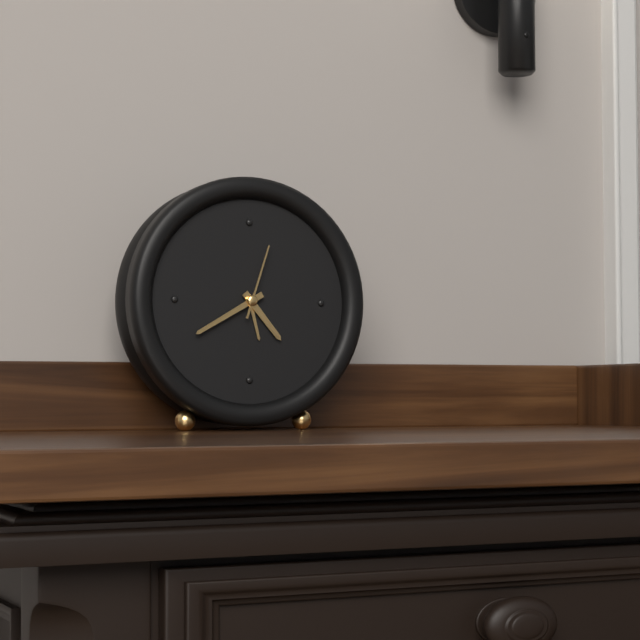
{"hour": 4, "minute": 40, "second": 3}
